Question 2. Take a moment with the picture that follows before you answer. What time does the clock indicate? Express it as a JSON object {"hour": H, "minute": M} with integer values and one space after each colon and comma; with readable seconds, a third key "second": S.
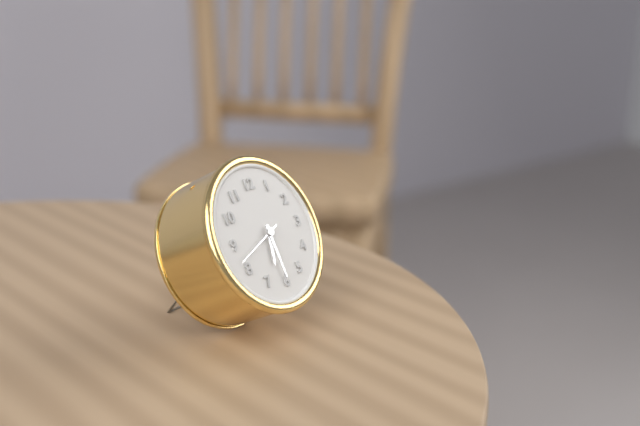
{"hour": 6, "minute": 30, "second": 42}
